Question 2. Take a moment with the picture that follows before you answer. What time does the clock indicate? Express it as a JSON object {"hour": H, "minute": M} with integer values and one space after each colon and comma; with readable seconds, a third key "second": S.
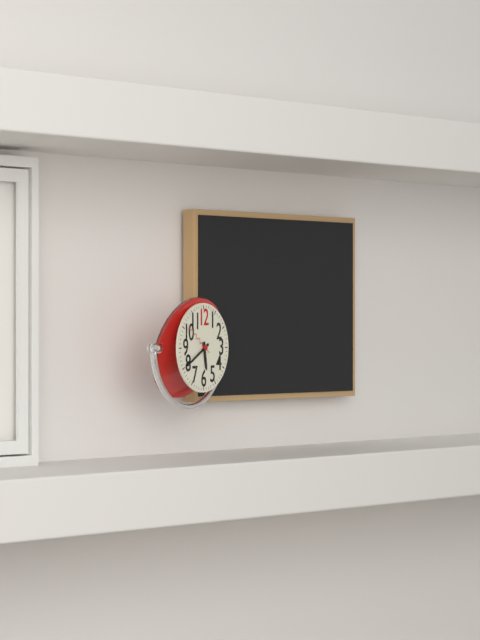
{"hour": 5, "minute": 40}
